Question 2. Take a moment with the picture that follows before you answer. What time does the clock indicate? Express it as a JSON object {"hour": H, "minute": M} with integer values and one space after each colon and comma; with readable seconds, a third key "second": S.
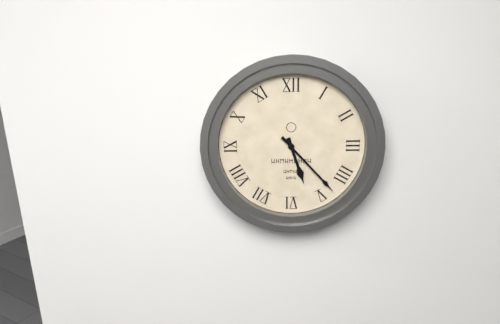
{"hour": 5, "minute": 23}
